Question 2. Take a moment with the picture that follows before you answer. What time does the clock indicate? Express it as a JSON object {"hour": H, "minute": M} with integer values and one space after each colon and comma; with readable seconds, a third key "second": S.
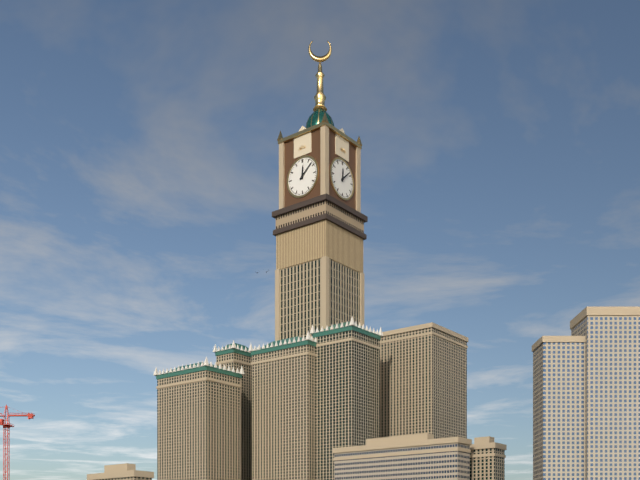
{"hour": 12, "minute": 8}
